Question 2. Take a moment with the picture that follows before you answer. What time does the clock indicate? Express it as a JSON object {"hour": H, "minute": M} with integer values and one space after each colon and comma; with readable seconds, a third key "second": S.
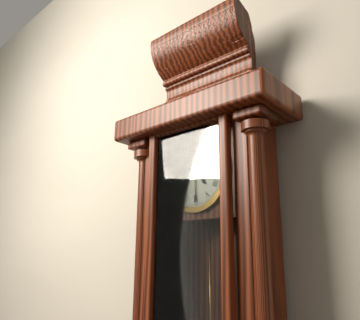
{"hour": 4, "minute": 30}
